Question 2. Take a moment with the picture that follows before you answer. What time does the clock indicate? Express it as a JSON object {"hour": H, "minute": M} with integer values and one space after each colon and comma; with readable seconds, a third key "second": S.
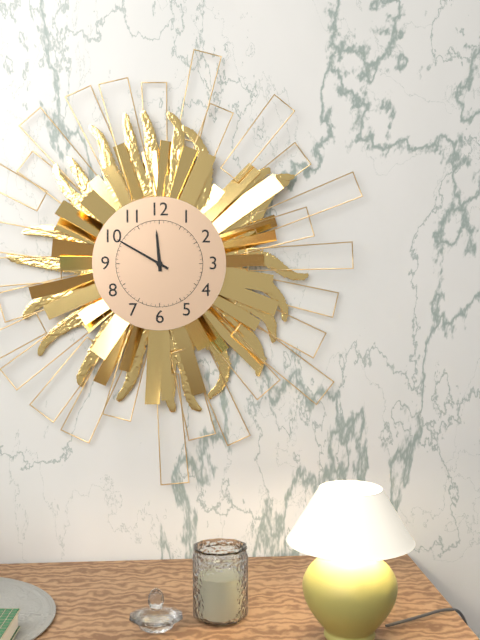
{"hour": 11, "minute": 50}
